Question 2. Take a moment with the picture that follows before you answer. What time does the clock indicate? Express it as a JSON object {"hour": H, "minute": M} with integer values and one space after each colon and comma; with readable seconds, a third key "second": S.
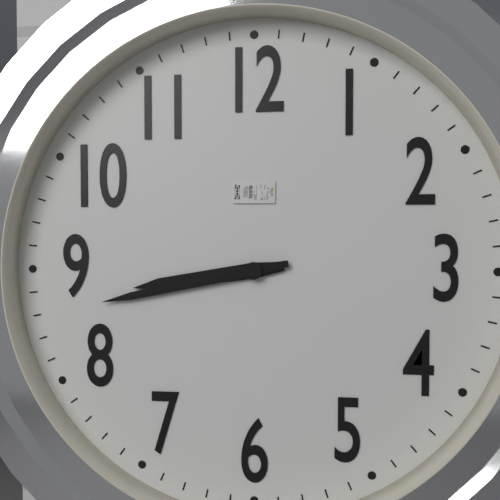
{"hour": 8, "minute": 43}
